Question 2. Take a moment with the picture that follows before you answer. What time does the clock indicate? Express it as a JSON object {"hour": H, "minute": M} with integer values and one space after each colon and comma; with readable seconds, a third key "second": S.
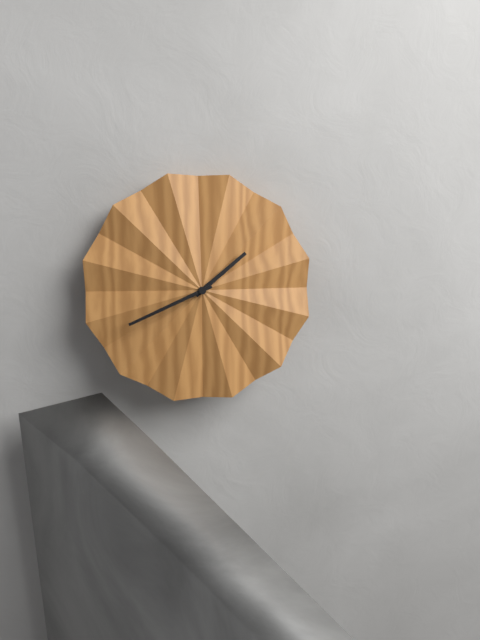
{"hour": 1, "minute": 41}
